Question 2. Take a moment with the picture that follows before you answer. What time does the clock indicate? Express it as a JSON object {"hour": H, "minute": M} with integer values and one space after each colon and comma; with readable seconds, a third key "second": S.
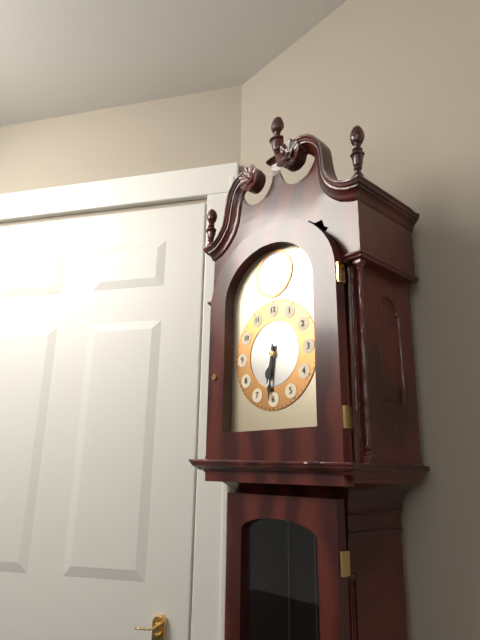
{"hour": 6, "minute": 31}
